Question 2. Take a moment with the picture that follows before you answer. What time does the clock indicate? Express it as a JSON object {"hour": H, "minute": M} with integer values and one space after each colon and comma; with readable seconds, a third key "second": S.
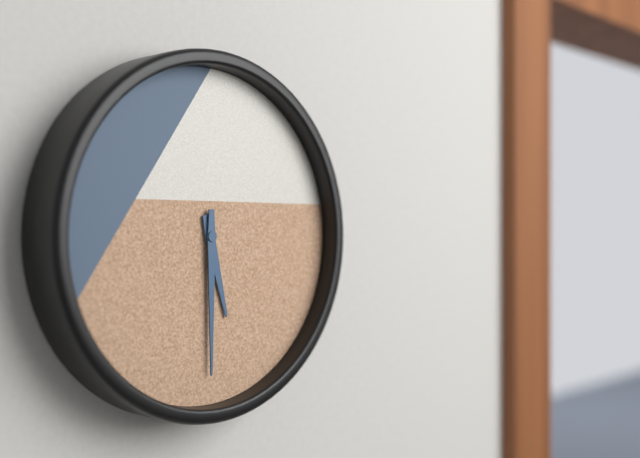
{"hour": 5, "minute": 30}
